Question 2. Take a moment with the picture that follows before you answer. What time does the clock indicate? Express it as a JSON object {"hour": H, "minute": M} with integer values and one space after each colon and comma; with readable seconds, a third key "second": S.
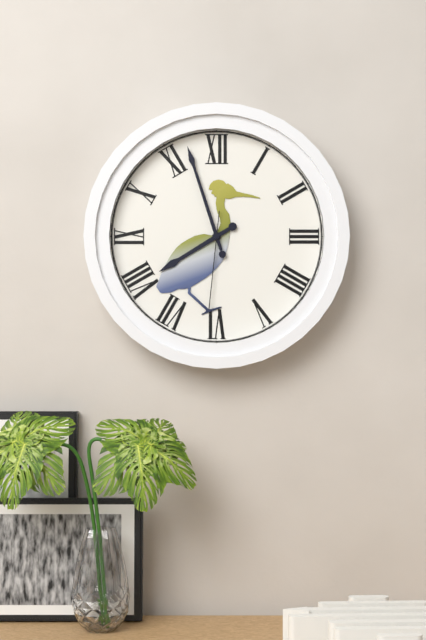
{"hour": 7, "minute": 57, "second": 31}
